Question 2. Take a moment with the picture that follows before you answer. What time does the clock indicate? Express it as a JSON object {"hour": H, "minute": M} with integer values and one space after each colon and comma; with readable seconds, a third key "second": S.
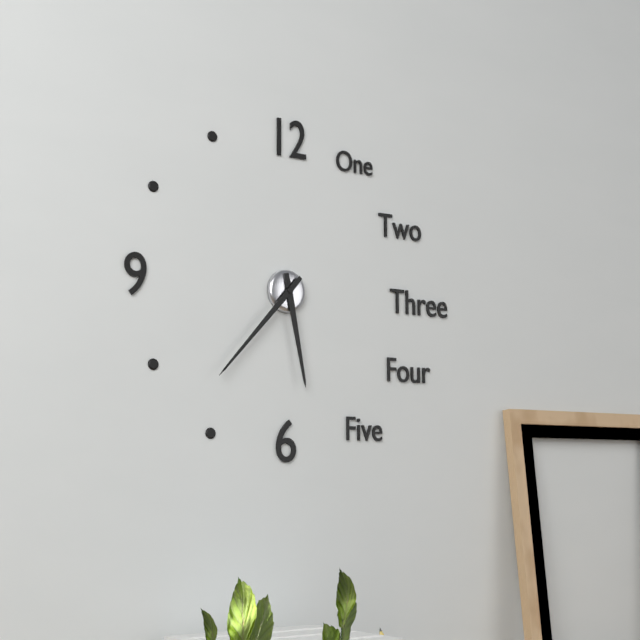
{"hour": 5, "minute": 37}
